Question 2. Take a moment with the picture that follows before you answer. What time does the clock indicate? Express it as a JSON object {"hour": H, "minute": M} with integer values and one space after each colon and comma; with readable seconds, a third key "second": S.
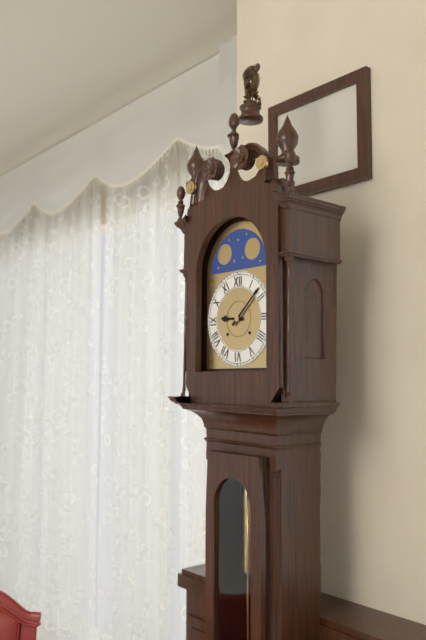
{"hour": 9, "minute": 8}
